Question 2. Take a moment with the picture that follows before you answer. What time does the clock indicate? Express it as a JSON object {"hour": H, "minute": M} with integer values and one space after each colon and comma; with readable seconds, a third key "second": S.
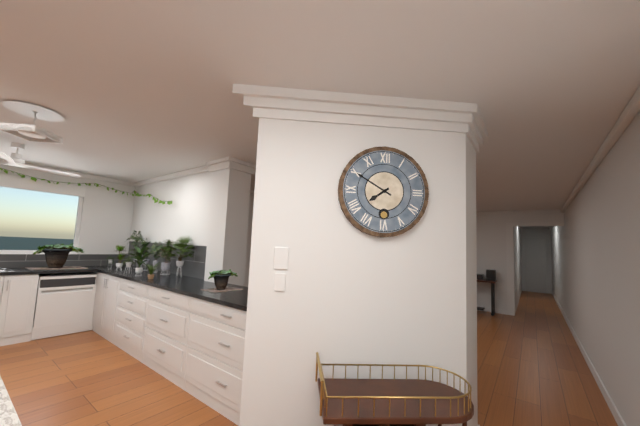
{"hour": 7, "minute": 50}
